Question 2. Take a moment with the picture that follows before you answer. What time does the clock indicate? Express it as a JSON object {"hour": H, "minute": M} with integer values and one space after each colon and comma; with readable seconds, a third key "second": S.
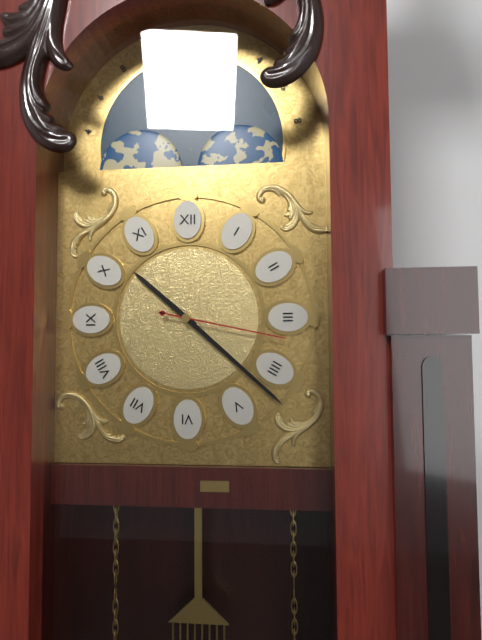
{"hour": 10, "minute": 22, "second": 17}
